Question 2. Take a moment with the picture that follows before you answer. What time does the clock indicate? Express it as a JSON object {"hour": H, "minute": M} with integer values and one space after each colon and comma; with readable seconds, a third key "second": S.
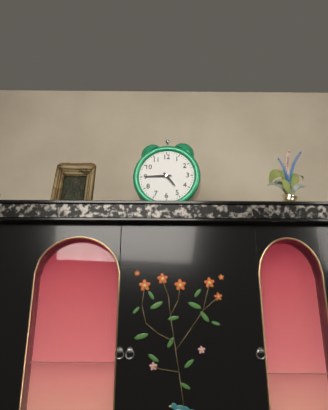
{"hour": 4, "minute": 45}
